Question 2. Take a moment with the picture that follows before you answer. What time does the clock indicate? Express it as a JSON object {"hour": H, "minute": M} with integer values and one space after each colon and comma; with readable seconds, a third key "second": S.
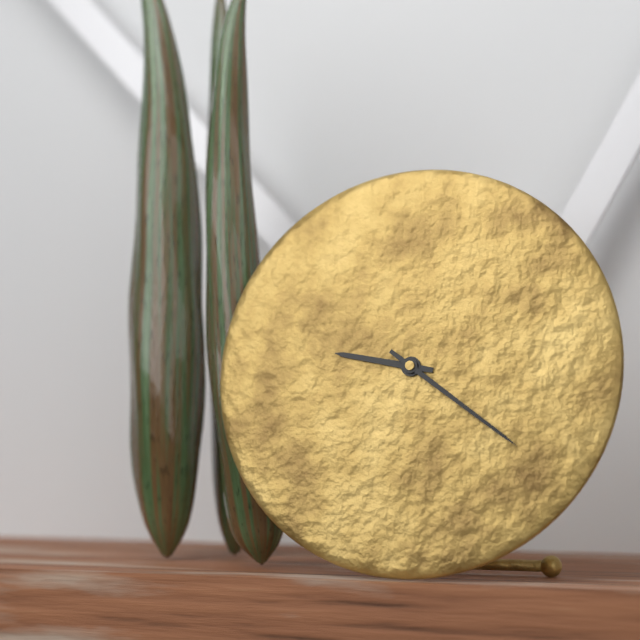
{"hour": 9, "minute": 21}
